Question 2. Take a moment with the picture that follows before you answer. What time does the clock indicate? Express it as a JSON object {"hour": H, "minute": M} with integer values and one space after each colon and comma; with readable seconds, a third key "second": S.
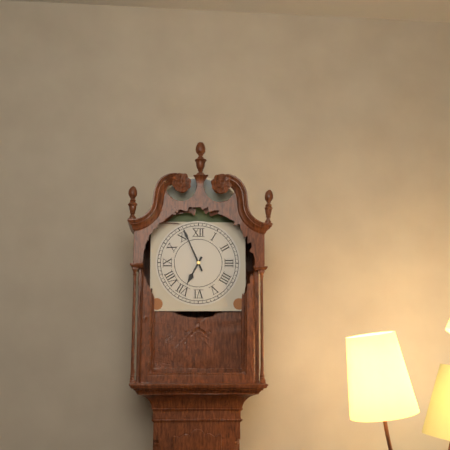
{"hour": 6, "minute": 56}
